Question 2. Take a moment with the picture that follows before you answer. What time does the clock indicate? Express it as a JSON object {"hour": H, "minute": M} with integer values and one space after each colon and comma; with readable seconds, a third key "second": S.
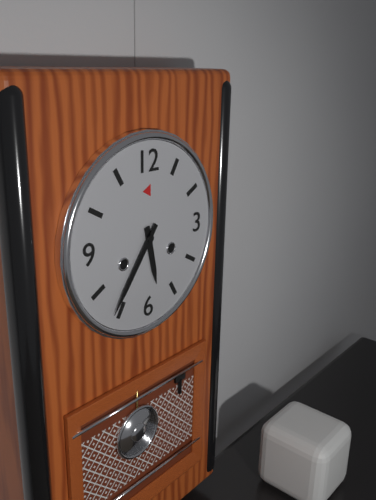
{"hour": 5, "minute": 36}
